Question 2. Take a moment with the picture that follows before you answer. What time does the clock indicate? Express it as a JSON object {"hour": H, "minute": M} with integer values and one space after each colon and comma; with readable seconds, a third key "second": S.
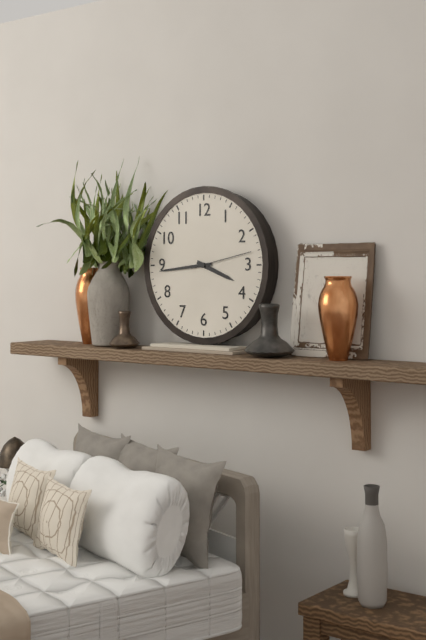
{"hour": 3, "minute": 44, "second": 13}
